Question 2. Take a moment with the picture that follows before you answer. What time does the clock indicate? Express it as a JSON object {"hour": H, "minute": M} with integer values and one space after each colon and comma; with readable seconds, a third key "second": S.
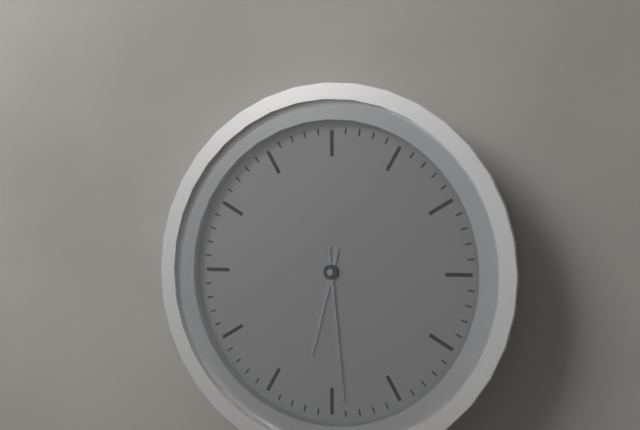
{"hour": 6, "minute": 29}
